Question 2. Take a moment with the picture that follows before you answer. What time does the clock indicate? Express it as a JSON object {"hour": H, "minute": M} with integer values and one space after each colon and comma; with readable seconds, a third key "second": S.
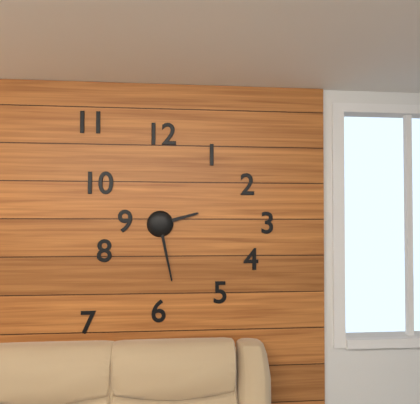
{"hour": 2, "minute": 28}
